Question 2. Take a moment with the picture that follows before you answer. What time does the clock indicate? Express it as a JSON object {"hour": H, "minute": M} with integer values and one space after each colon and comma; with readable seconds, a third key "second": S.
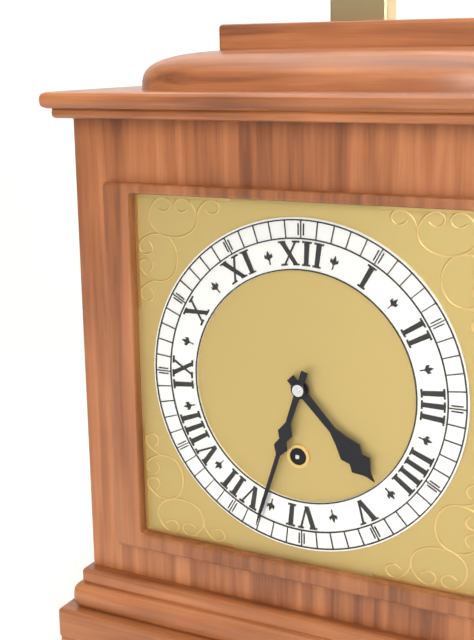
{"hour": 4, "minute": 33}
